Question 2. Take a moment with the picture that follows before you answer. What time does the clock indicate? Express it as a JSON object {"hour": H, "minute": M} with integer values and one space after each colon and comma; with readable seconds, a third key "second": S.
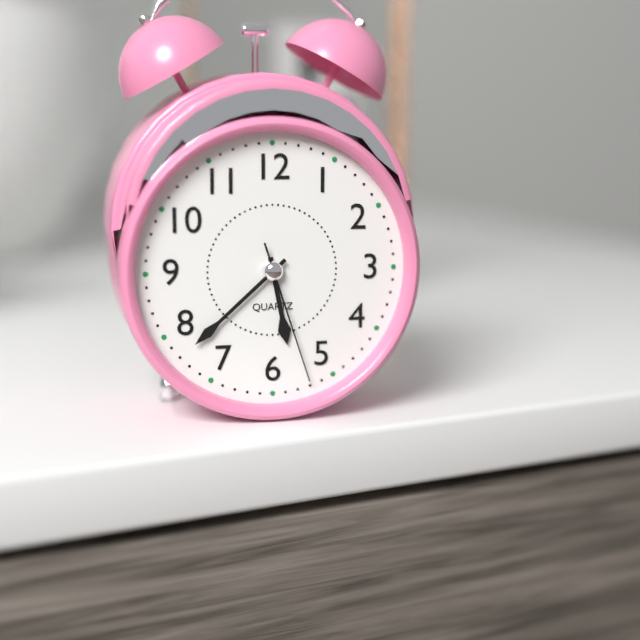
{"hour": 5, "minute": 38, "second": 27}
